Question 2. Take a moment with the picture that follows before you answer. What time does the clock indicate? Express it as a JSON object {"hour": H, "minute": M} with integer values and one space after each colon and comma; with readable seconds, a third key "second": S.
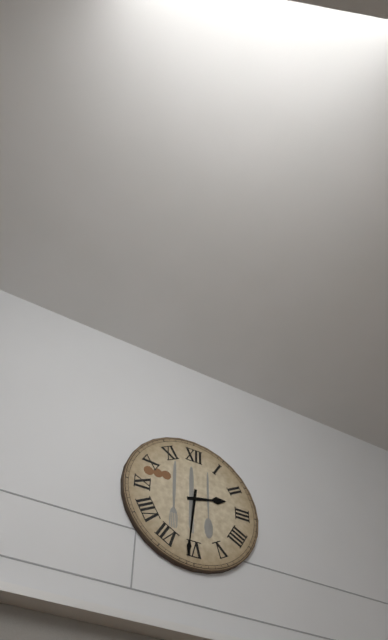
{"hour": 2, "minute": 31}
